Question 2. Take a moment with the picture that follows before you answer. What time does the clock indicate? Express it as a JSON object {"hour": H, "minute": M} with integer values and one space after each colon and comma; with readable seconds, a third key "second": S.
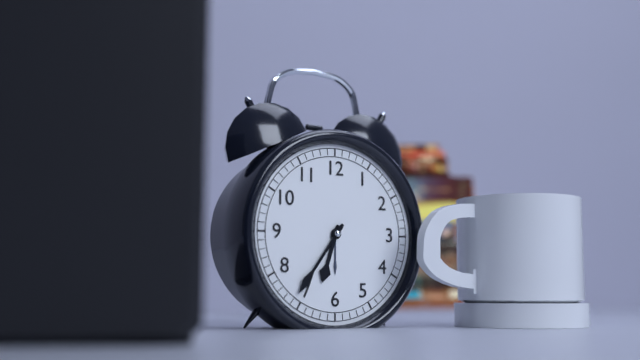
{"hour": 6, "minute": 36}
